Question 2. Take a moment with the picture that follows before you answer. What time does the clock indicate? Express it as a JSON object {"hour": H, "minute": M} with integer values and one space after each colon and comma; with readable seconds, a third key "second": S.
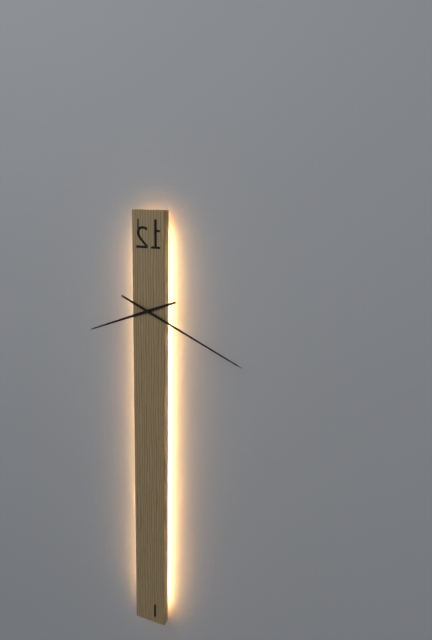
{"hour": 8, "minute": 19}
